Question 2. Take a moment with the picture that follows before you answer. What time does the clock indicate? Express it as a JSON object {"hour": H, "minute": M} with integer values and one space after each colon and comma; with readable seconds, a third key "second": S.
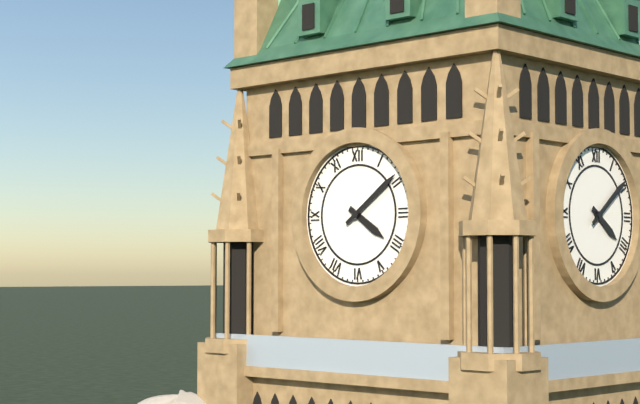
{"hour": 4, "minute": 9}
